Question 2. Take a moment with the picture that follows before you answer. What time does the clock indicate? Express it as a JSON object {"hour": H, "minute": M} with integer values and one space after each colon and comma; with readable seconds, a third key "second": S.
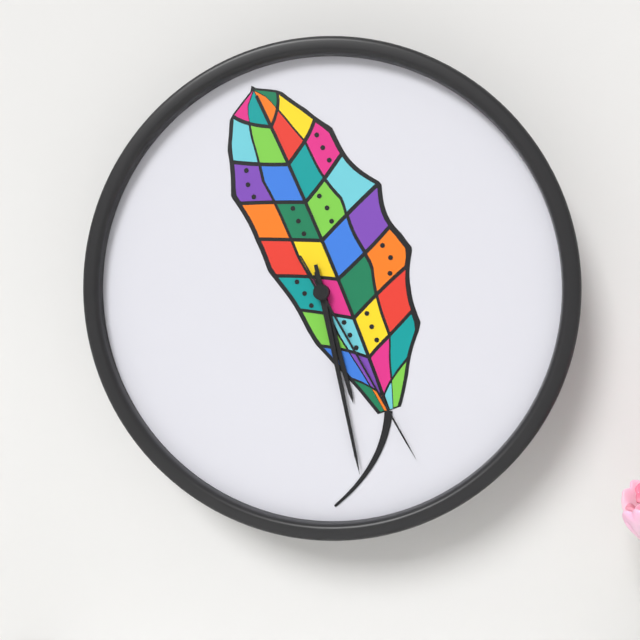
{"hour": 5, "minute": 28, "second": 25}
